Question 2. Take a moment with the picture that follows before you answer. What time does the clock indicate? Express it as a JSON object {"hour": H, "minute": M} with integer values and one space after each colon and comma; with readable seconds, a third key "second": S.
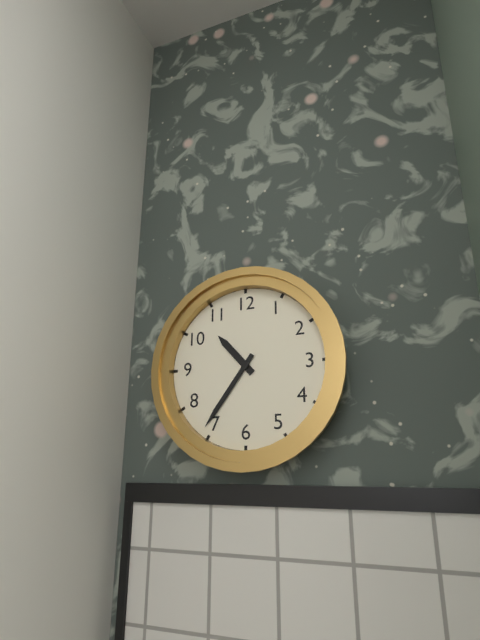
{"hour": 10, "minute": 36}
